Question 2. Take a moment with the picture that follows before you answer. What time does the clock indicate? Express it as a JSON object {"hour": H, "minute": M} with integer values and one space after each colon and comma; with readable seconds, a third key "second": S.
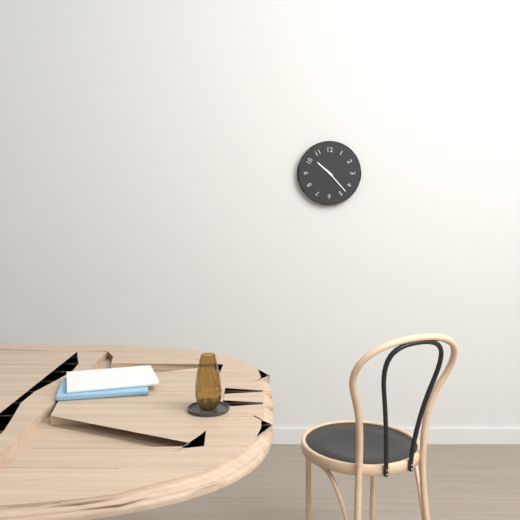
{"hour": 10, "minute": 23}
